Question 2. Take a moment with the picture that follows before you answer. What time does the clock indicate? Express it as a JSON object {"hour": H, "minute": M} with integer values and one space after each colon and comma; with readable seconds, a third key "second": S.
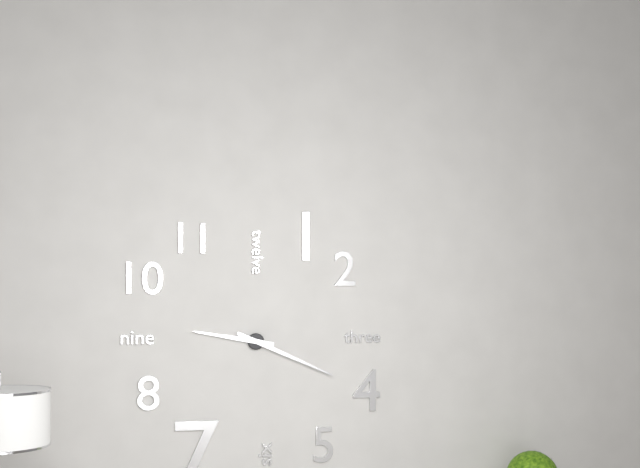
{"hour": 9, "minute": 19}
